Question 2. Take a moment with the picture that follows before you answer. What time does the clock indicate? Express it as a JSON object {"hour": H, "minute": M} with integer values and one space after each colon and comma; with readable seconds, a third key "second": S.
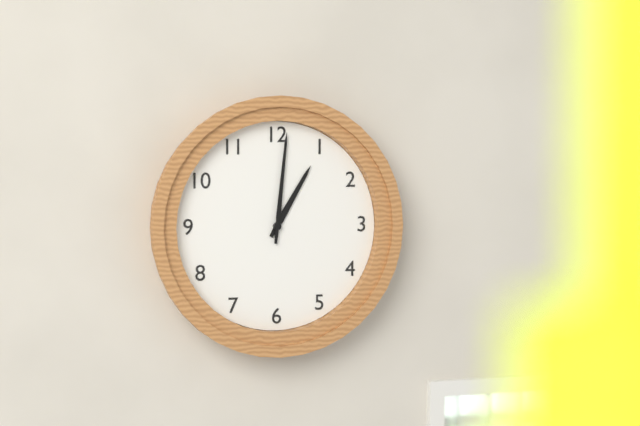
{"hour": 1, "minute": 1}
